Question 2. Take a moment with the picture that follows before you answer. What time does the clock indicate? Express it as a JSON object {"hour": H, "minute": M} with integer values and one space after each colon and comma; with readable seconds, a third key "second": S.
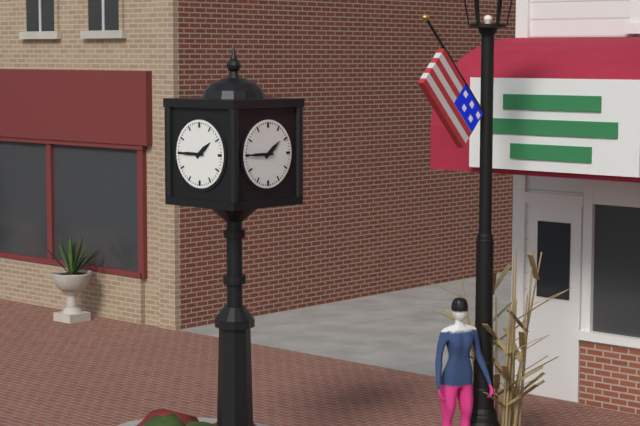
{"hour": 1, "minute": 45}
